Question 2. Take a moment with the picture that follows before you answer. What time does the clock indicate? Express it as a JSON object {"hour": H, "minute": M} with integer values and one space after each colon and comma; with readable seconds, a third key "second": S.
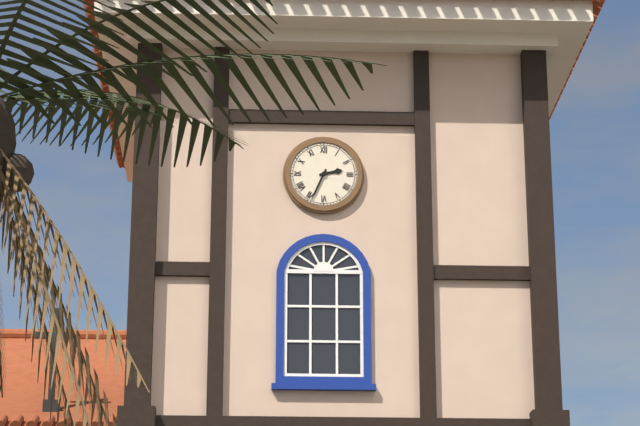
{"hour": 2, "minute": 34}
